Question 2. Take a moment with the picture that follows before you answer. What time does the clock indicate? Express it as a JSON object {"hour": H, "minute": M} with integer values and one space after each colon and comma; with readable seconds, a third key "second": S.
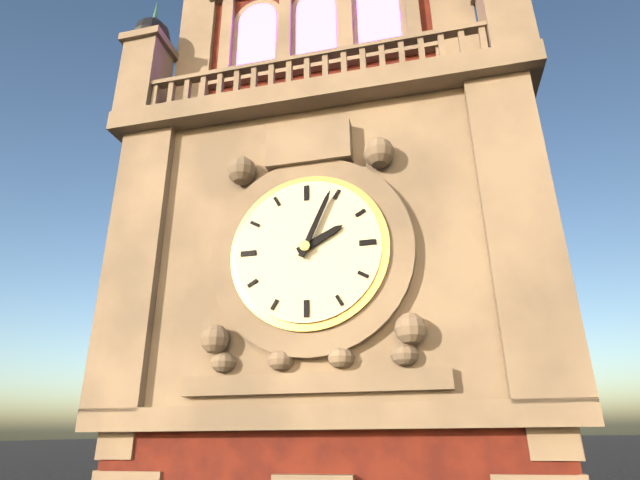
{"hour": 2, "minute": 4}
